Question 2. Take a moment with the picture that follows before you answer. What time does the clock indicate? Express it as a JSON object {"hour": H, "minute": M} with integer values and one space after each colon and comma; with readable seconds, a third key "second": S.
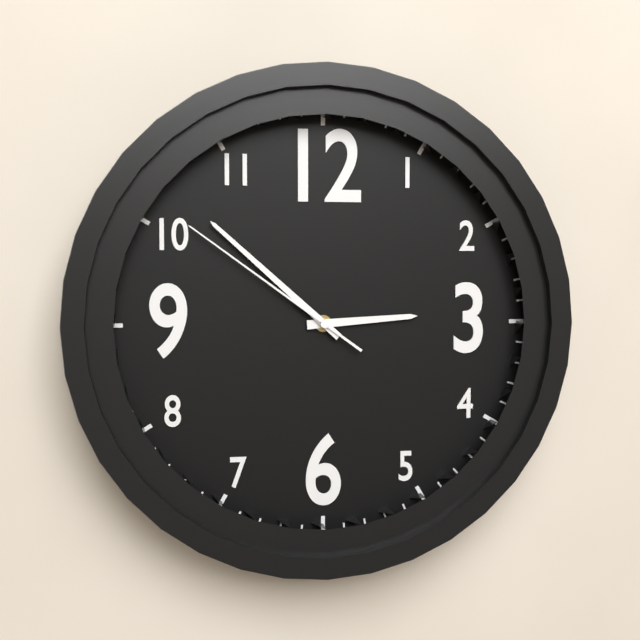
{"hour": 2, "minute": 52, "second": 51}
